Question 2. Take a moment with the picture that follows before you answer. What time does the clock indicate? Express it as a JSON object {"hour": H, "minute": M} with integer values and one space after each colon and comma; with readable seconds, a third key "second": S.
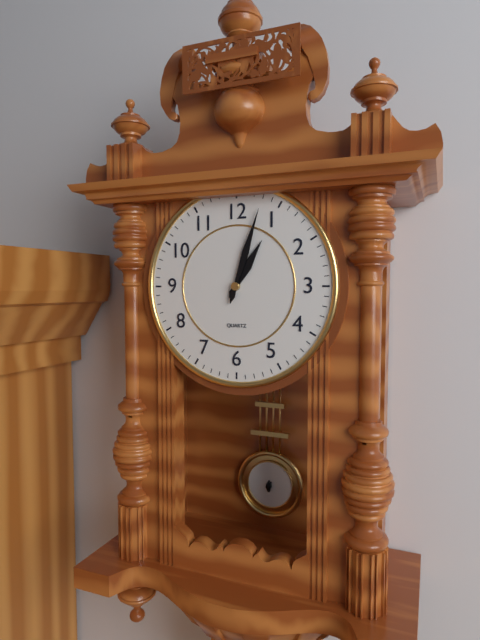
{"hour": 1, "minute": 3}
